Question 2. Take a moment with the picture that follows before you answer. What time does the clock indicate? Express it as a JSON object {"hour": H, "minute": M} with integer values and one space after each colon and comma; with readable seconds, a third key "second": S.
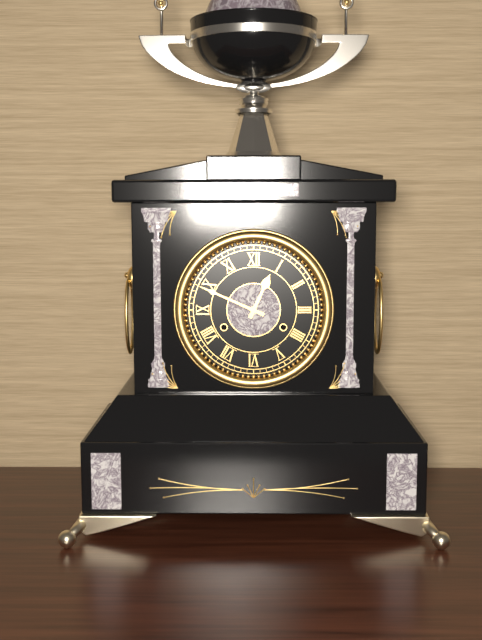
{"hour": 12, "minute": 49}
